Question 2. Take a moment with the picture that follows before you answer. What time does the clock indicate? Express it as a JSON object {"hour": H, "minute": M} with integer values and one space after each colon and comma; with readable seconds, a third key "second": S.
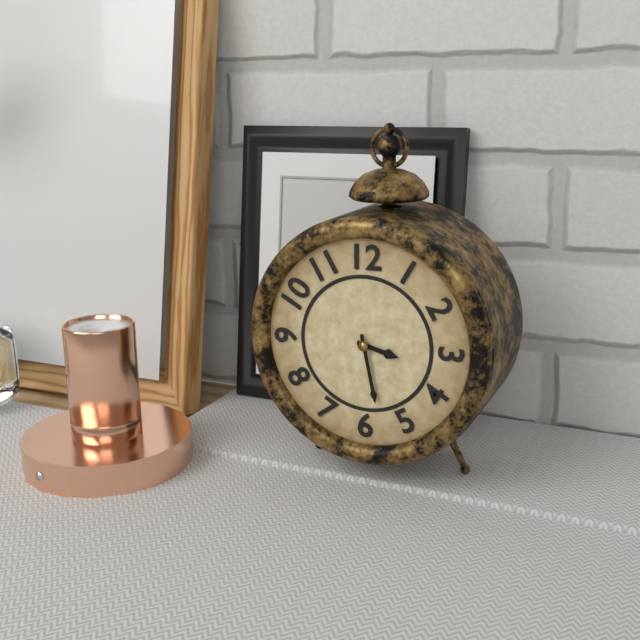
{"hour": 3, "minute": 28}
